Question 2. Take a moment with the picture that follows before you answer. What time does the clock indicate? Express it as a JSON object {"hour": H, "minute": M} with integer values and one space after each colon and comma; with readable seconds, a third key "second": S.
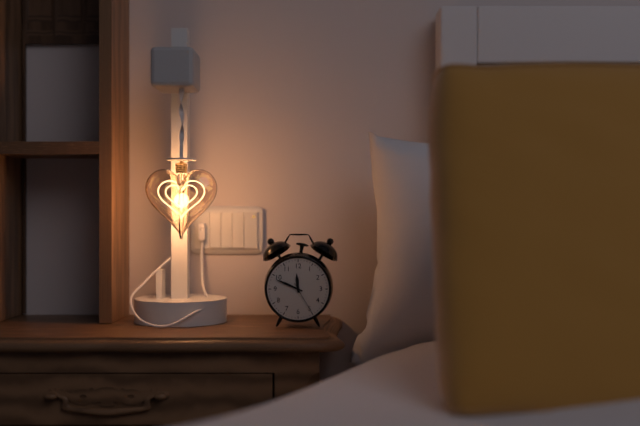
{"hour": 11, "minute": 49}
